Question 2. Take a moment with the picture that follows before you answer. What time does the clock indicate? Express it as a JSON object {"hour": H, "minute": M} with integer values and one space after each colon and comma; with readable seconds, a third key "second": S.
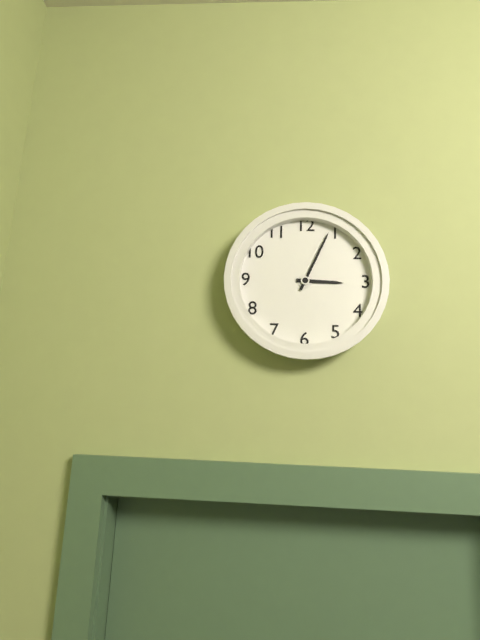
{"hour": 3, "minute": 4}
